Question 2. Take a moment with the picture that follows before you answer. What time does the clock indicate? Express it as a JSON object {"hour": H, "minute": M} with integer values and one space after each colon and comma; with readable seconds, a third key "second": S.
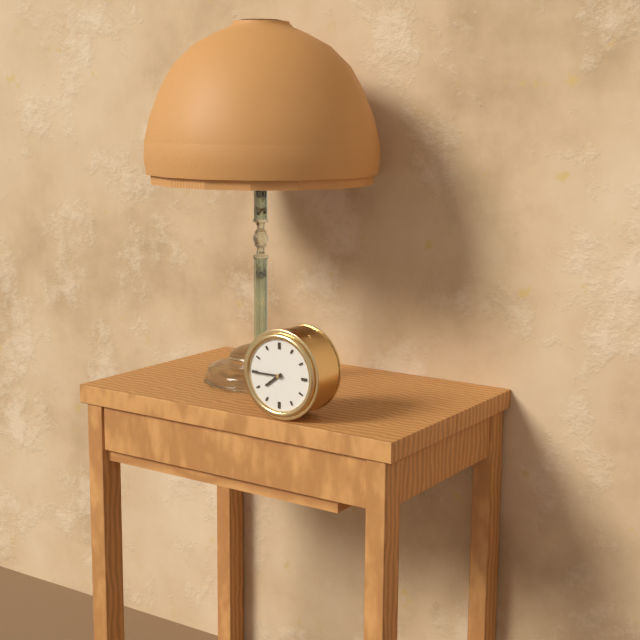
{"hour": 7, "minute": 45}
